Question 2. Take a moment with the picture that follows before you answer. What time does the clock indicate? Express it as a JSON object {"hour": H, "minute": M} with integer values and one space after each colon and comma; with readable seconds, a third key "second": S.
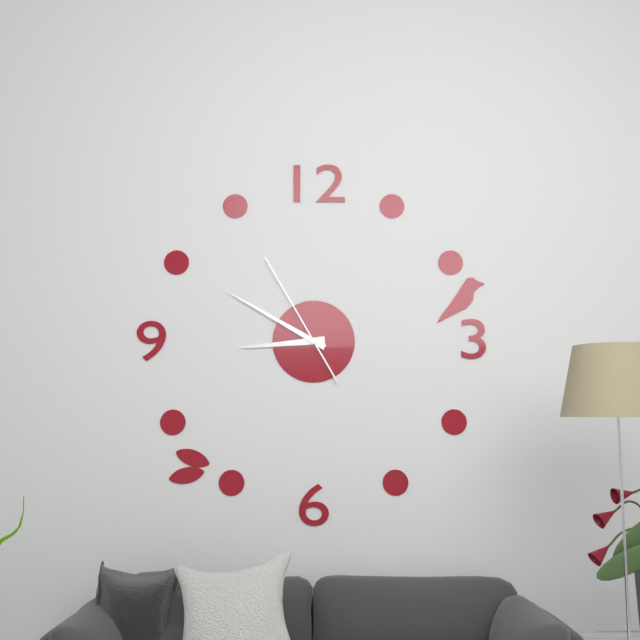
{"hour": 8, "minute": 50, "second": 55}
